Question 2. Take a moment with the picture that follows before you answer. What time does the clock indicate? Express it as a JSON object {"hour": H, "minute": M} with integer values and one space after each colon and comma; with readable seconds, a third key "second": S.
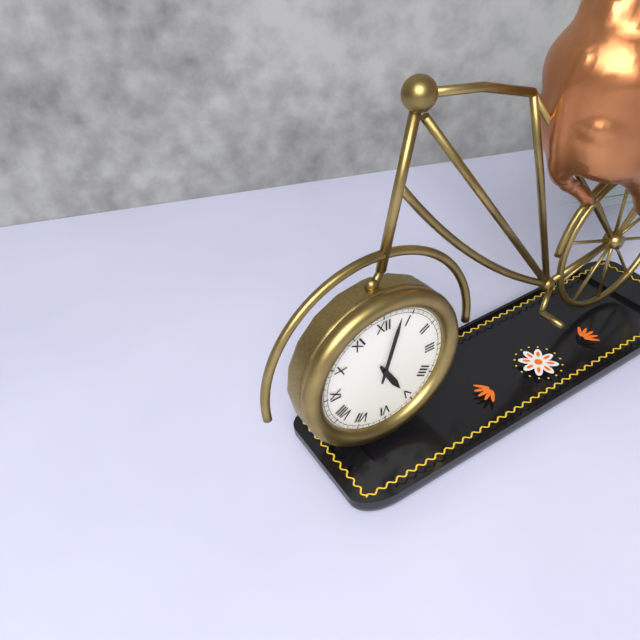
{"hour": 5, "minute": 3}
